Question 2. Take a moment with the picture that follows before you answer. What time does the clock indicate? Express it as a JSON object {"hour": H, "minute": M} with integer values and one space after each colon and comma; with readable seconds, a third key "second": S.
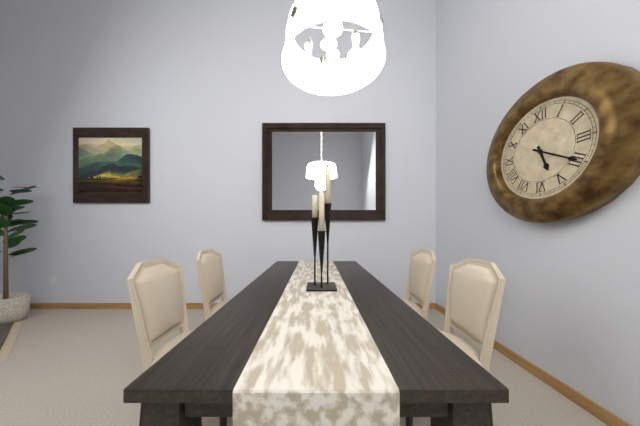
{"hour": 5, "minute": 20}
